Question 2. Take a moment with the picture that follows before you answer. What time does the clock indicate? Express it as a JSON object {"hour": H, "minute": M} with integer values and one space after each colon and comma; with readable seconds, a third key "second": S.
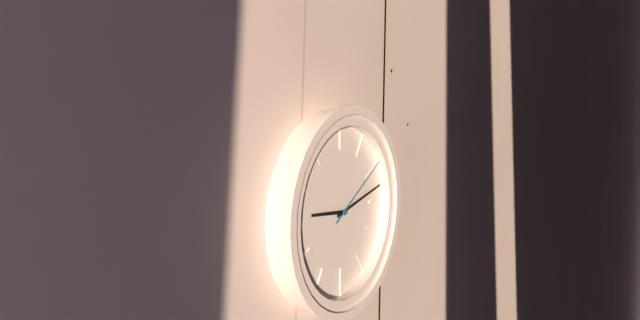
{"hour": 9, "minute": 13, "second": 10}
